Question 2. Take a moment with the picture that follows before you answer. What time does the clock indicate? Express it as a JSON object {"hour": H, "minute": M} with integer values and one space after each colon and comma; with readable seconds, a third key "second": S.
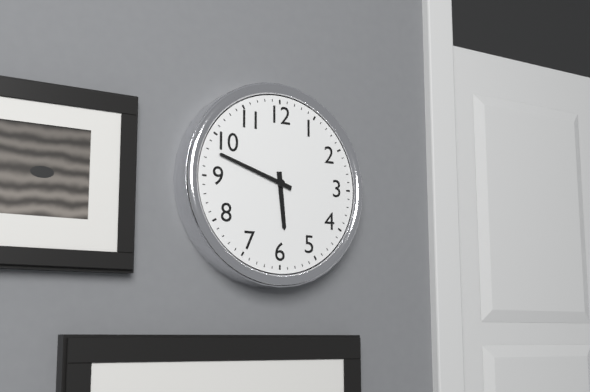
{"hour": 5, "minute": 48}
